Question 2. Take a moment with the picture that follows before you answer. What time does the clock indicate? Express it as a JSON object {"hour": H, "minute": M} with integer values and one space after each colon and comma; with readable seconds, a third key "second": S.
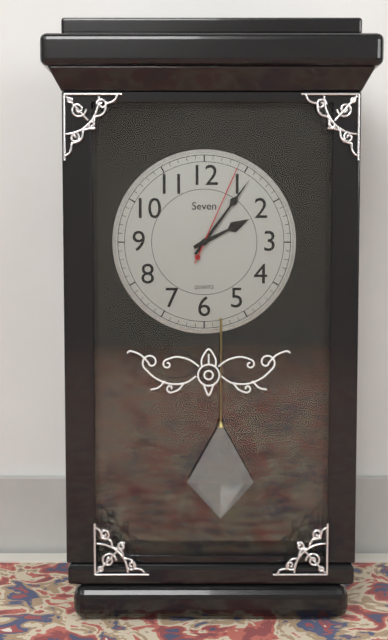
{"hour": 2, "minute": 6, "second": 4}
